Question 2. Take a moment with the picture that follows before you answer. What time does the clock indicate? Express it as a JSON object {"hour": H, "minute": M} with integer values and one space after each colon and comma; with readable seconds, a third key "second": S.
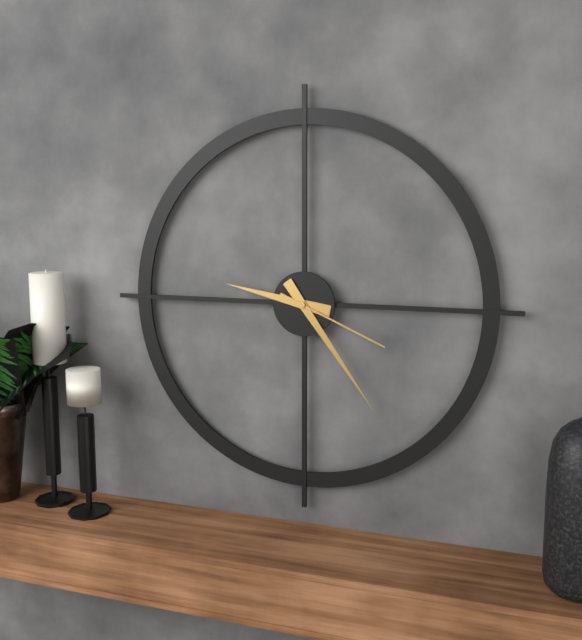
{"hour": 9, "minute": 24, "second": 19}
